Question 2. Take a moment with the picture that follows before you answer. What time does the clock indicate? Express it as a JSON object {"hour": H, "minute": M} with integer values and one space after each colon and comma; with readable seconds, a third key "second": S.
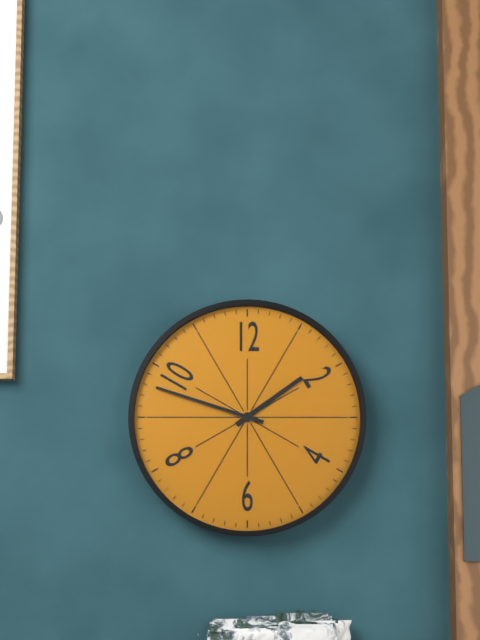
{"hour": 1, "minute": 48}
